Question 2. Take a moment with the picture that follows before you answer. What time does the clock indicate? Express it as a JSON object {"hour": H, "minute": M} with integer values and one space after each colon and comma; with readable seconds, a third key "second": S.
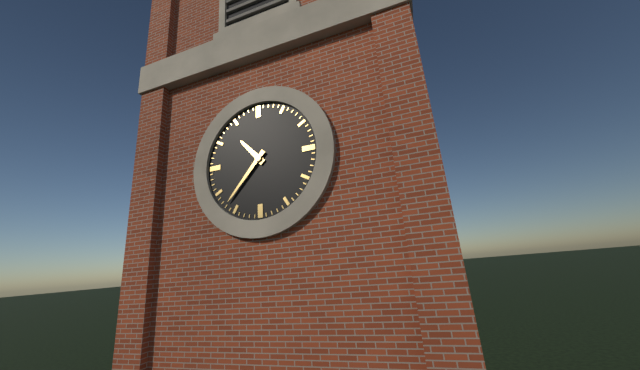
{"hour": 10, "minute": 37}
